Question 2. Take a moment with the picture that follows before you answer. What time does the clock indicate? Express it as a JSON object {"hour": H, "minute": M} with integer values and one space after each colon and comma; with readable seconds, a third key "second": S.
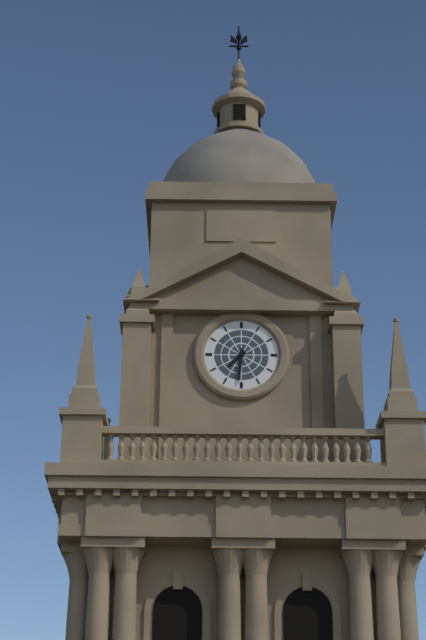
{"hour": 7, "minute": 31}
